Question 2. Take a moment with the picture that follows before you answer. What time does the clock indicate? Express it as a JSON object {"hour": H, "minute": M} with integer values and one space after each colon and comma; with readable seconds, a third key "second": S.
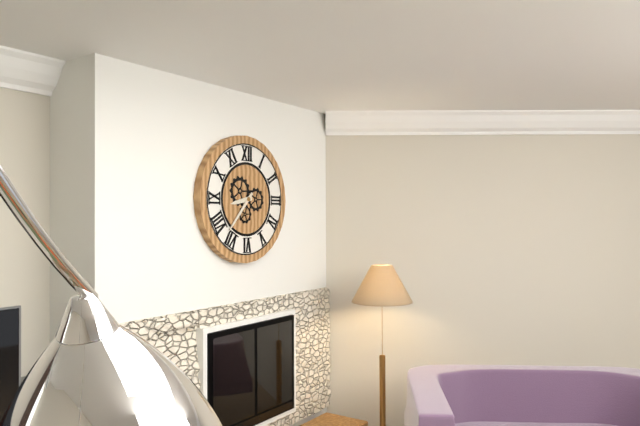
{"hour": 8, "minute": 37}
